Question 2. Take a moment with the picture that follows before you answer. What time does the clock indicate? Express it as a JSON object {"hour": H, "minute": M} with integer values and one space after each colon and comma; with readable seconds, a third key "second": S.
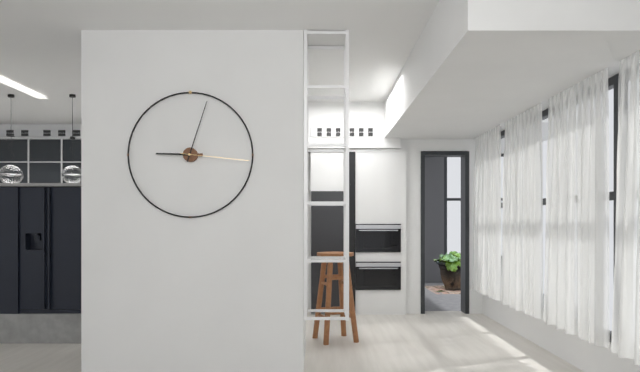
{"hour": 9, "minute": 3, "second": 16}
